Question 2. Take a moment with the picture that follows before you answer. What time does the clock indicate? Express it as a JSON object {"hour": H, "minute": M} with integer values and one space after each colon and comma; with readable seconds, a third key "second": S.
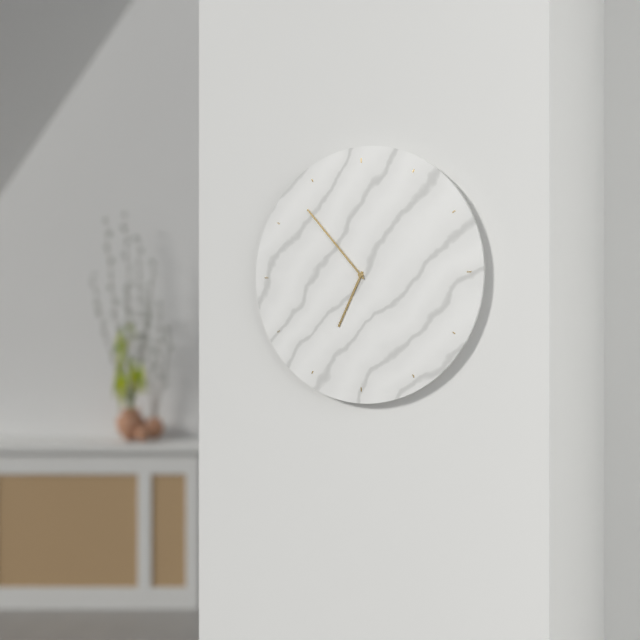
{"hour": 6, "minute": 53}
